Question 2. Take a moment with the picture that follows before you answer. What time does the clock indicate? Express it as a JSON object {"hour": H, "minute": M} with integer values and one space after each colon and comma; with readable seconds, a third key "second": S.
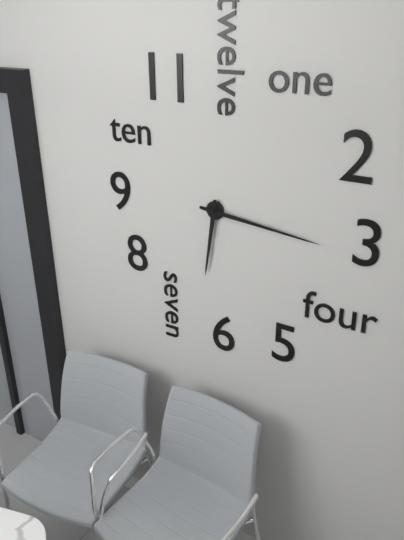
{"hour": 6, "minute": 16}
